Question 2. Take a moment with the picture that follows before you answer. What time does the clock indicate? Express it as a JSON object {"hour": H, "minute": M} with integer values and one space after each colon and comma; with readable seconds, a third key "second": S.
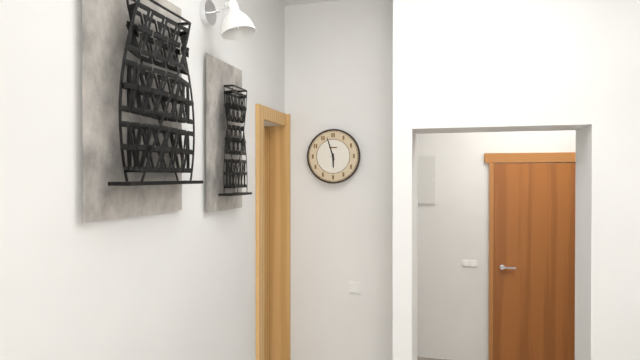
{"hour": 5, "minute": 57}
